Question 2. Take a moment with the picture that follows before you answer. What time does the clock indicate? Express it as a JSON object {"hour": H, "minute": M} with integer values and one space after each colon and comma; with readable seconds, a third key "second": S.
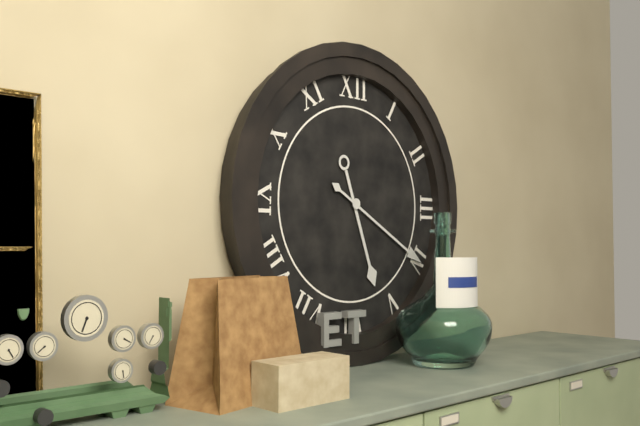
{"hour": 5, "minute": 20}
